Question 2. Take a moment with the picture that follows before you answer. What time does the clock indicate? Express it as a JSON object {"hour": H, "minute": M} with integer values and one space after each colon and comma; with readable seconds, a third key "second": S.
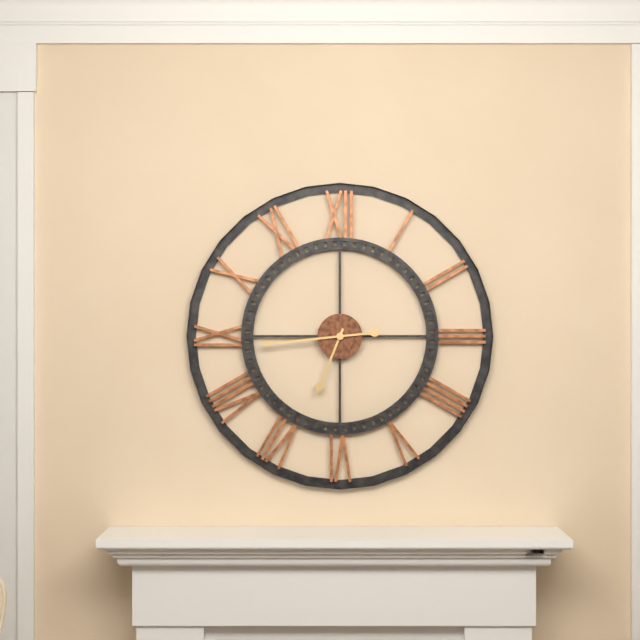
{"hour": 6, "minute": 44}
